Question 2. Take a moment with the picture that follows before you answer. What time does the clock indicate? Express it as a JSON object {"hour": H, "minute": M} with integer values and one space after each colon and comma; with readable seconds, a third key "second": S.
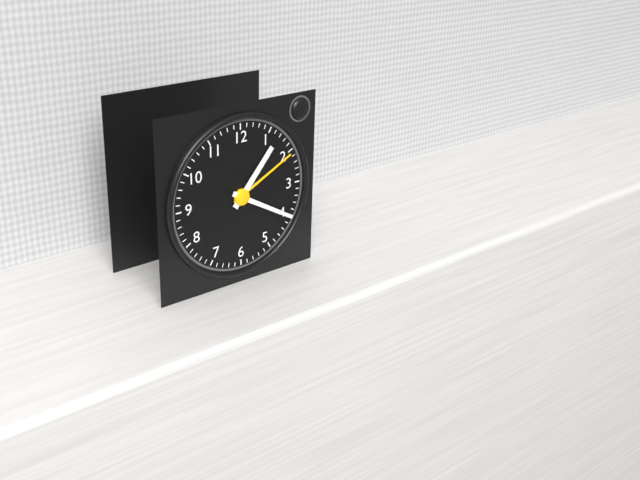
{"hour": 1, "minute": 20}
